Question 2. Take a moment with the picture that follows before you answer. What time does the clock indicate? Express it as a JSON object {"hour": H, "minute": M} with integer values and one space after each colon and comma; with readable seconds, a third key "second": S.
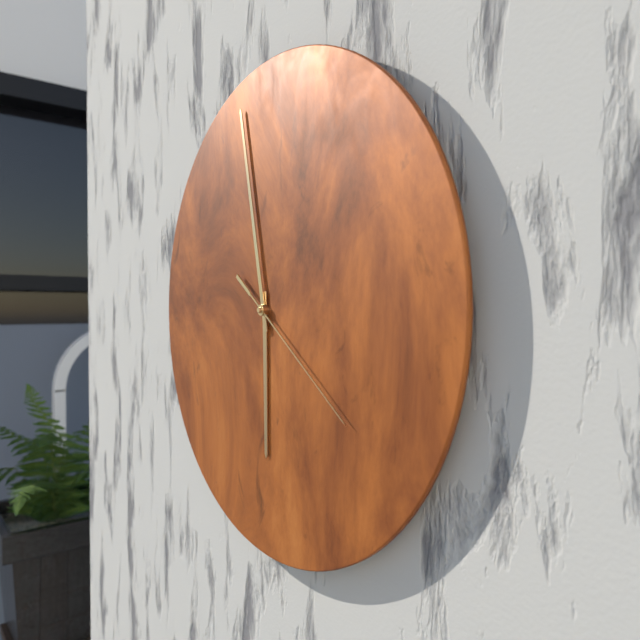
{"hour": 5, "minute": 58, "second": 21}
